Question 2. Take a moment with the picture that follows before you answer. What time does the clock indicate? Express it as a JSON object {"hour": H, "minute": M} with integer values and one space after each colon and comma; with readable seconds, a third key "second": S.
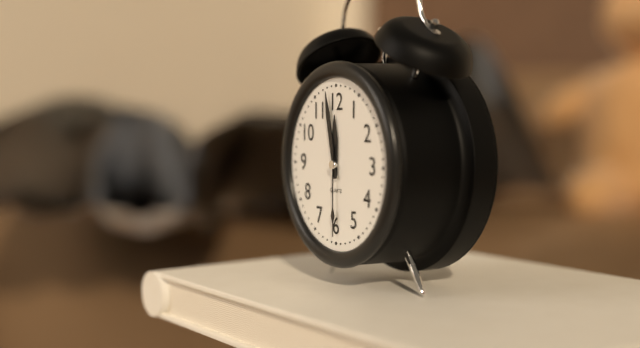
{"hour": 11, "minute": 58, "second": 30}
